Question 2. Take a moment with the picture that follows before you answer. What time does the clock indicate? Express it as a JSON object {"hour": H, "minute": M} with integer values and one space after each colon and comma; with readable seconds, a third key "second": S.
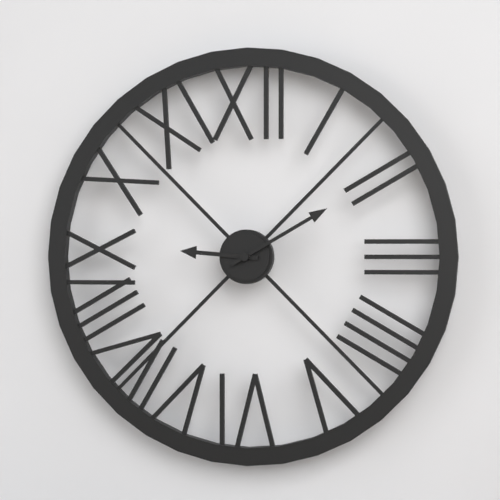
{"hour": 9, "minute": 10}
